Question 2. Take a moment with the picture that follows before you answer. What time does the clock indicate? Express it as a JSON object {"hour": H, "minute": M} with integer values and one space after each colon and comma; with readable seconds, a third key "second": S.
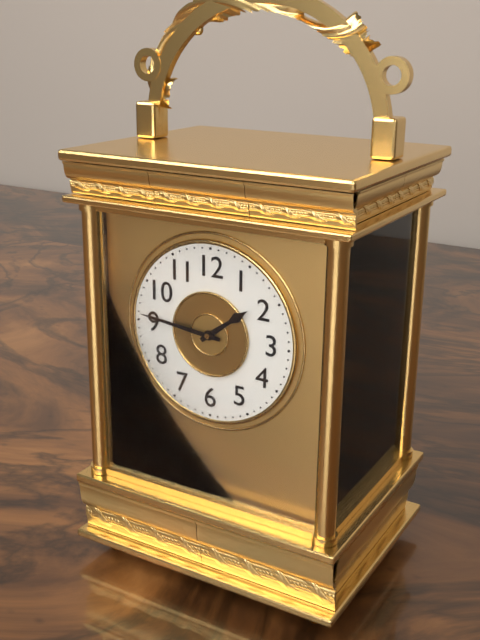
{"hour": 1, "minute": 46}
